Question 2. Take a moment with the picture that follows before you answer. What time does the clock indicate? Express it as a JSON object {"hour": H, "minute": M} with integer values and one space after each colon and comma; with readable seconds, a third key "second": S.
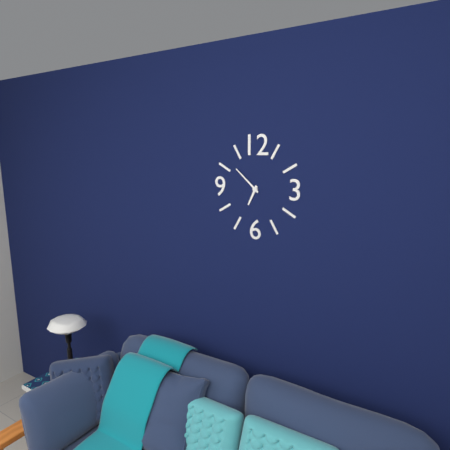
{"hour": 6, "minute": 52}
